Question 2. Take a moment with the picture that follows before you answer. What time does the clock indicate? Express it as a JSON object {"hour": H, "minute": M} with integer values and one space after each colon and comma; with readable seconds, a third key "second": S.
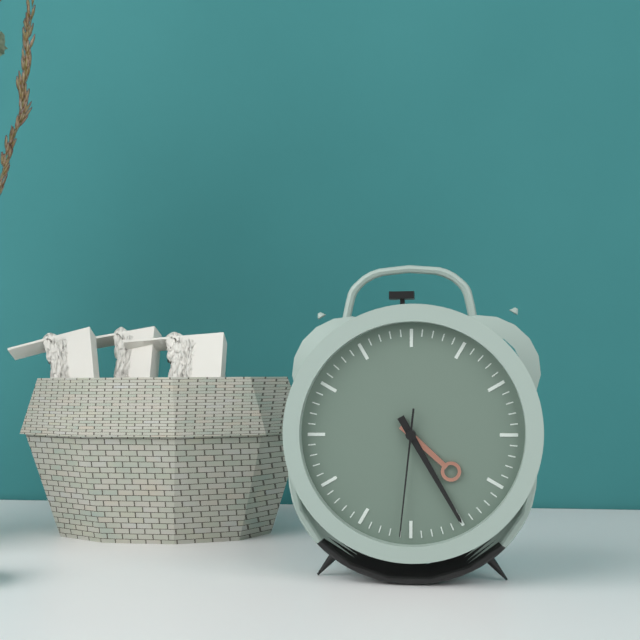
{"hour": 4, "minute": 25, "second": 31}
